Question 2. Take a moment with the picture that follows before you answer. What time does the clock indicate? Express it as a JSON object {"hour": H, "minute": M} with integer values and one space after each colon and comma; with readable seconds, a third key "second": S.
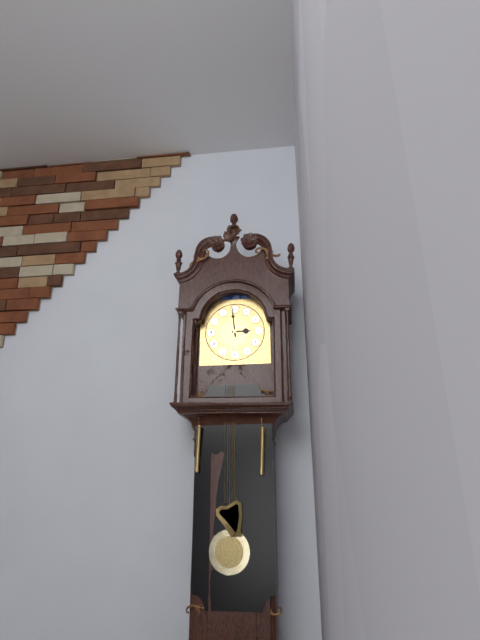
{"hour": 2, "minute": 59}
